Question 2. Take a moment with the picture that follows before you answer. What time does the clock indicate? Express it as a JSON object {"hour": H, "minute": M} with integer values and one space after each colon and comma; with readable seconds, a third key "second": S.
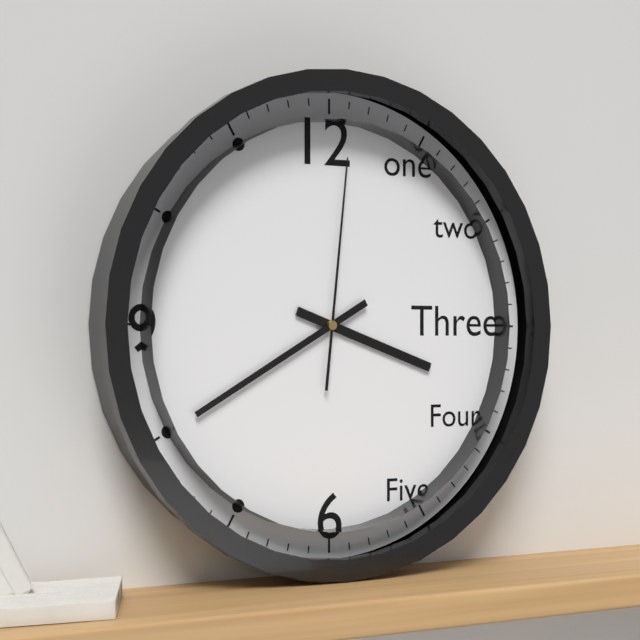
{"hour": 3, "minute": 40, "second": 1}
